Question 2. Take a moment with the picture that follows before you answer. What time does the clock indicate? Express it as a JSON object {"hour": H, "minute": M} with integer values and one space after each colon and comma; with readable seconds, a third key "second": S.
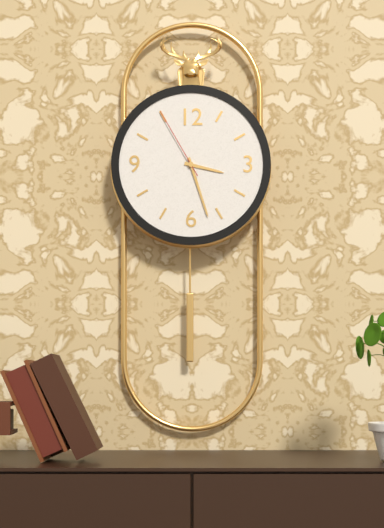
{"hour": 3, "minute": 27, "second": 55}
